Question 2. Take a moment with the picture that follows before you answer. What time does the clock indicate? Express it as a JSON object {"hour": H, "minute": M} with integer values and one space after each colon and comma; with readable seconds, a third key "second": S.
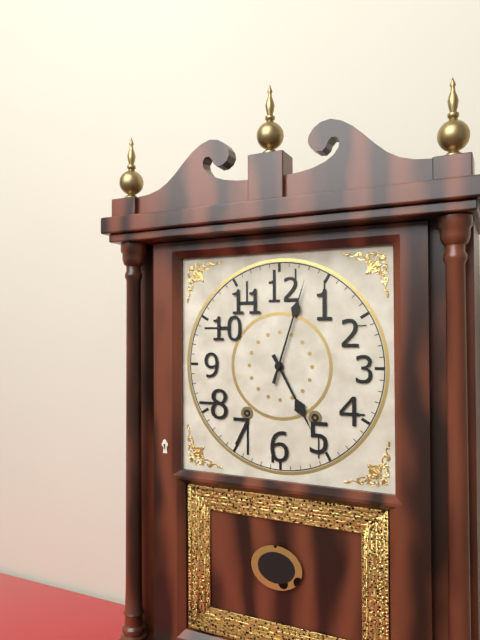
{"hour": 5, "minute": 3}
